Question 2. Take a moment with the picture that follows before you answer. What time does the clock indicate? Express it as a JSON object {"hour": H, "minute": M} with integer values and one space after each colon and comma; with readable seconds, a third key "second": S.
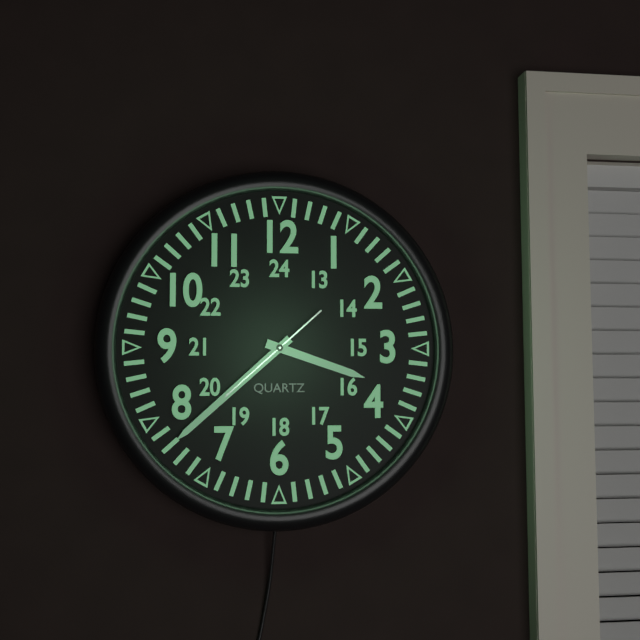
{"hour": 3, "minute": 38, "second": 38}
